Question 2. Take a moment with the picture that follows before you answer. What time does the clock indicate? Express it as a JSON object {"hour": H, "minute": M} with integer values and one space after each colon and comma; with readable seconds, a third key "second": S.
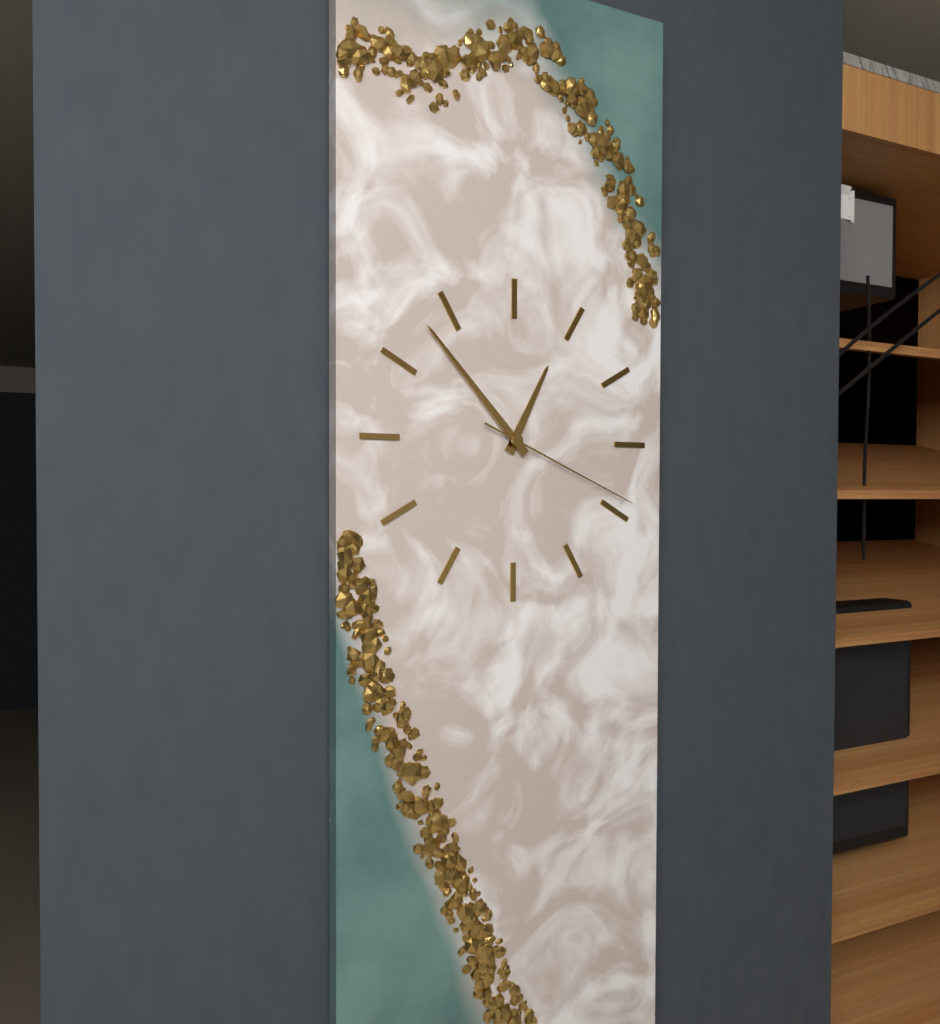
{"hour": 12, "minute": 53, "second": 19}
